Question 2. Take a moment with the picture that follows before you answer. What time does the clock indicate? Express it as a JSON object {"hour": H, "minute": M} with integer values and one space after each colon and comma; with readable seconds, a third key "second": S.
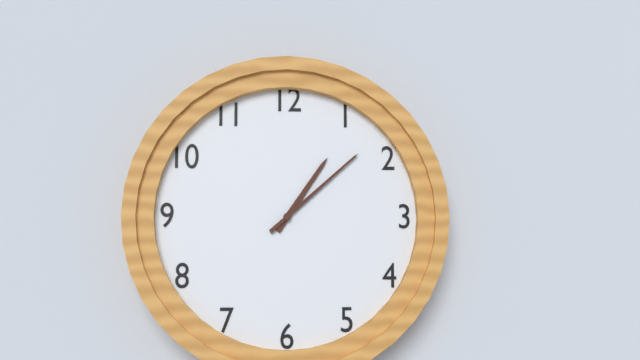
{"hour": 1, "minute": 8}
